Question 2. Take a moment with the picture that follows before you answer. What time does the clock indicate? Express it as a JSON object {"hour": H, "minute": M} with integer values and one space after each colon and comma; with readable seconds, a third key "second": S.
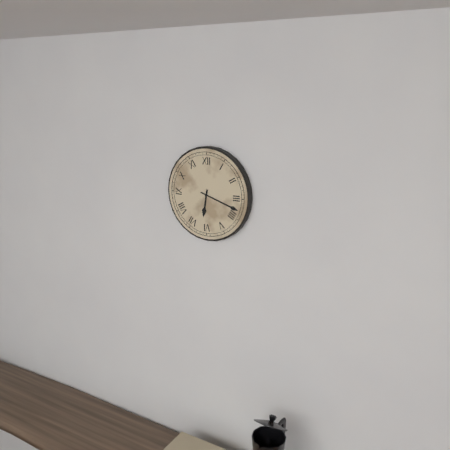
{"hour": 6, "minute": 18}
